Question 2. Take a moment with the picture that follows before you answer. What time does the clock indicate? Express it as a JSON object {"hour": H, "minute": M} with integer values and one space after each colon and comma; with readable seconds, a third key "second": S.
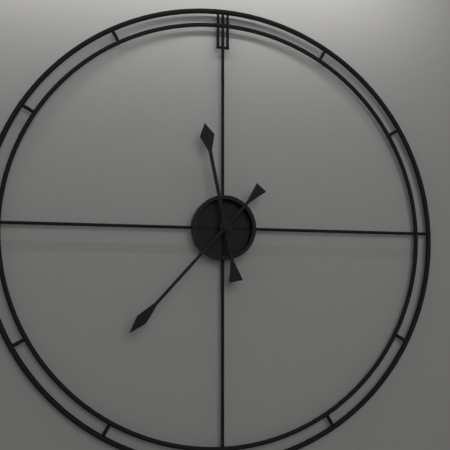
{"hour": 11, "minute": 37}
